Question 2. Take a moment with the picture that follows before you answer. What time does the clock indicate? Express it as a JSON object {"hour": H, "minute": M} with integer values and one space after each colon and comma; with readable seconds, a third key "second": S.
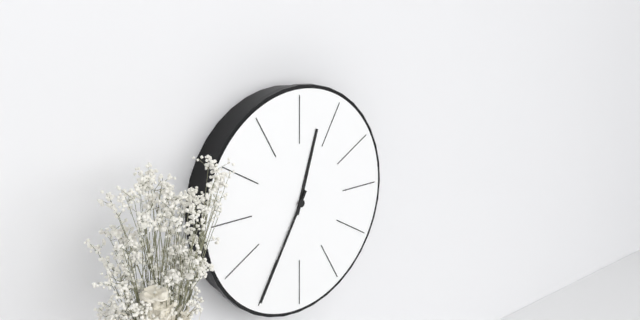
{"hour": 12, "minute": 35}
